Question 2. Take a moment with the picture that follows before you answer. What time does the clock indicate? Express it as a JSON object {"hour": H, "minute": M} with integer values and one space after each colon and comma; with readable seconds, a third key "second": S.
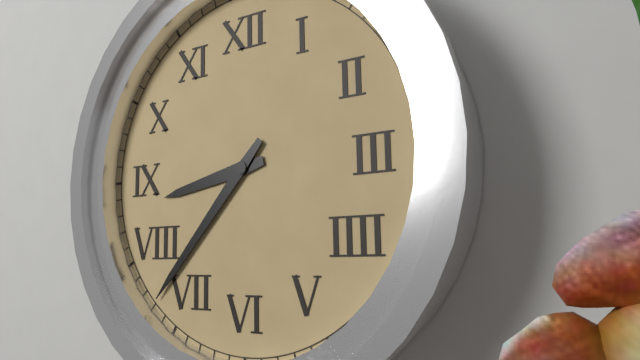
{"hour": 8, "minute": 37}
